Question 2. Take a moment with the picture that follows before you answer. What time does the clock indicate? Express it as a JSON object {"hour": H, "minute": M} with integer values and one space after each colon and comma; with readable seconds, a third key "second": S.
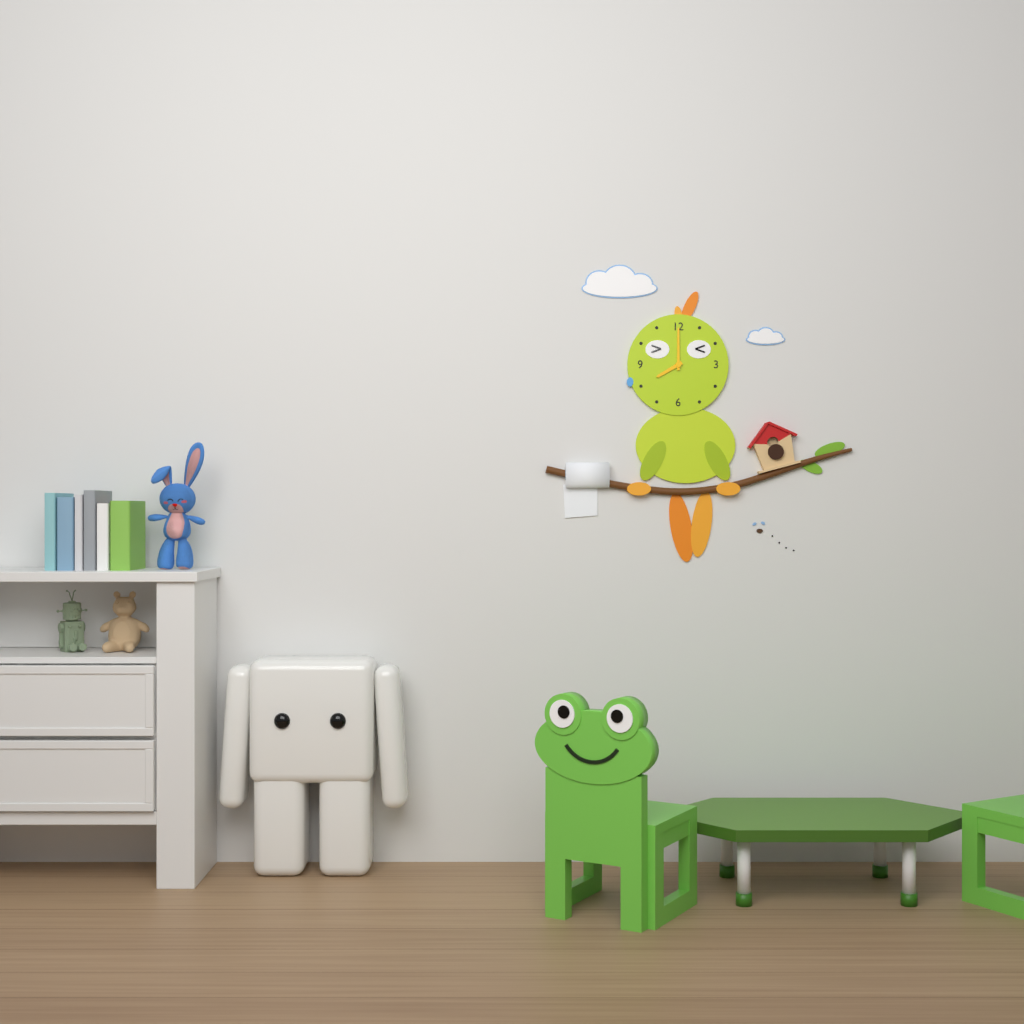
{"hour": 8, "minute": 0}
